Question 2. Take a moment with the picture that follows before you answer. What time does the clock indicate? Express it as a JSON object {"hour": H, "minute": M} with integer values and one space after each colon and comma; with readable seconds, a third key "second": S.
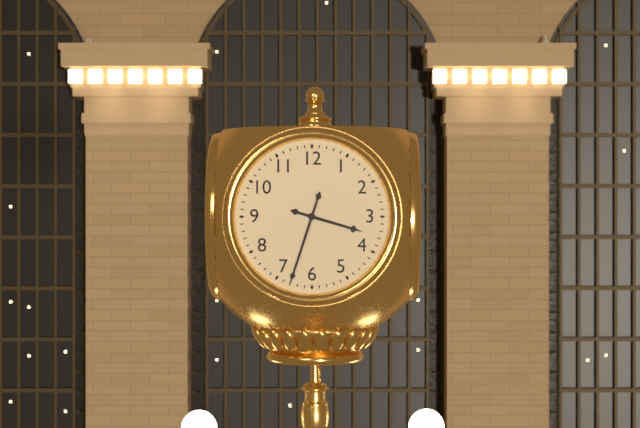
{"hour": 3, "minute": 33}
